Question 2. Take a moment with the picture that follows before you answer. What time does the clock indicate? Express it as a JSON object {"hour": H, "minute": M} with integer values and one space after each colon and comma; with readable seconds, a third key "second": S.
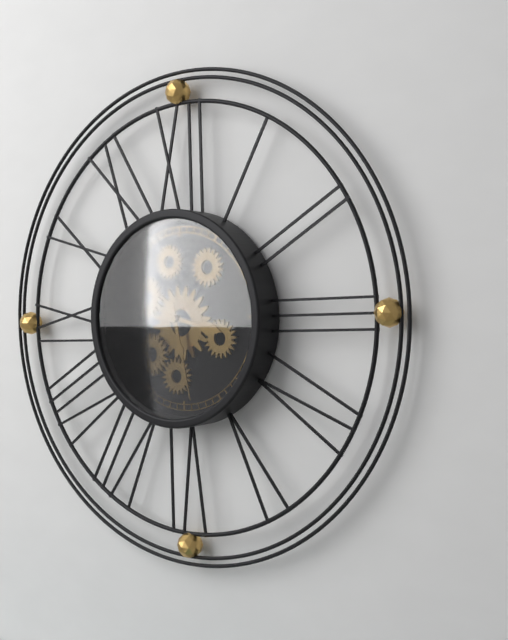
{"hour": 3, "minute": 28}
